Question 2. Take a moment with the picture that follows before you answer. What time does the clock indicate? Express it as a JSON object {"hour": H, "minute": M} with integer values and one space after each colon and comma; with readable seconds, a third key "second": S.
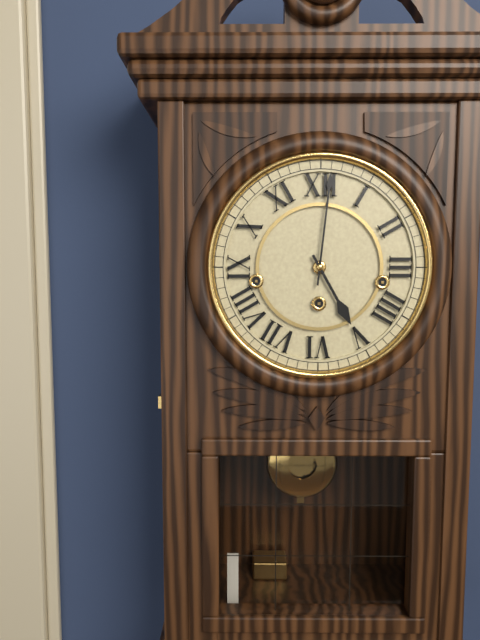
{"hour": 5, "minute": 1}
